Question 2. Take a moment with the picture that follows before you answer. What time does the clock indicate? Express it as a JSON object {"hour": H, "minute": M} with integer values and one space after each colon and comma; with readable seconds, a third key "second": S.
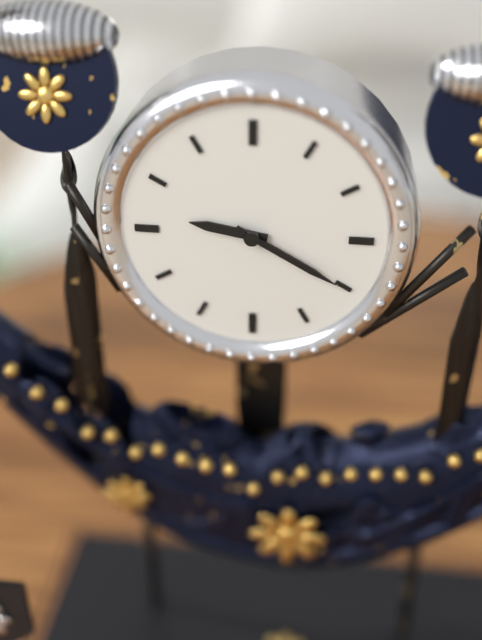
{"hour": 9, "minute": 20}
